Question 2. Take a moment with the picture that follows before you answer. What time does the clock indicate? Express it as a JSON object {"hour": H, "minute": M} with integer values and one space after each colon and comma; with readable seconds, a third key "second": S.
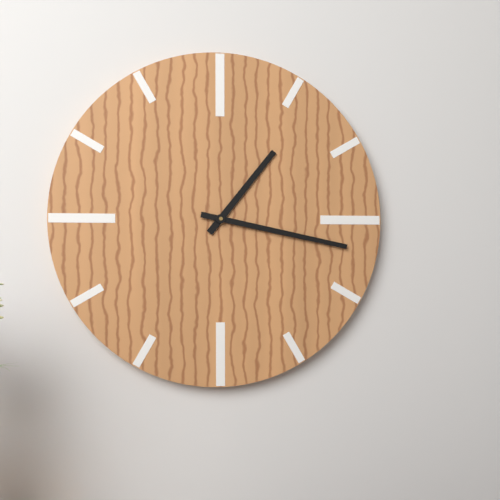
{"hour": 1, "minute": 17}
